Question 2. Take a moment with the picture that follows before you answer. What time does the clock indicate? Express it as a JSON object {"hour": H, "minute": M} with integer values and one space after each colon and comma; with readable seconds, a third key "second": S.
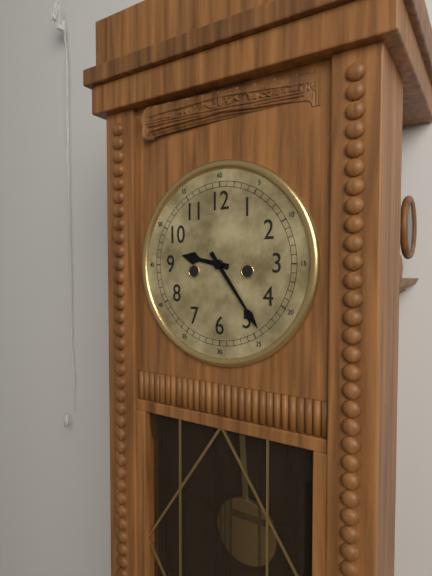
{"hour": 9, "minute": 24}
